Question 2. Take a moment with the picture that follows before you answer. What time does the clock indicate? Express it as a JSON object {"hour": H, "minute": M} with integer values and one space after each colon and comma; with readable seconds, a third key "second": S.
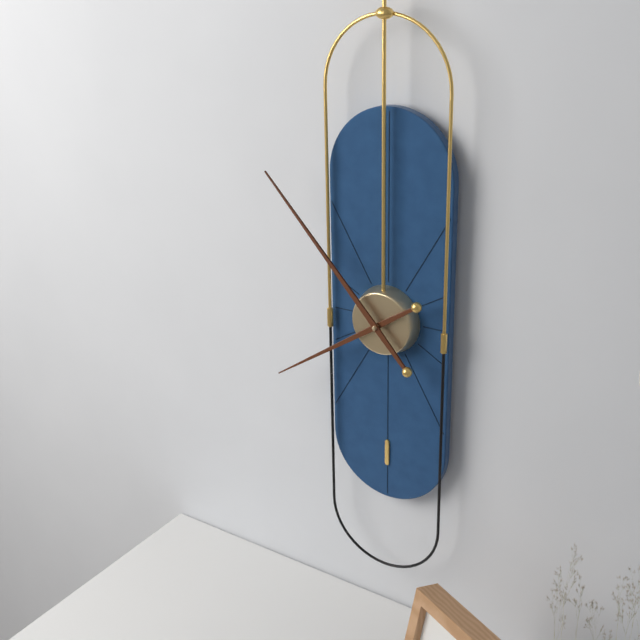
{"hour": 7, "minute": 53}
